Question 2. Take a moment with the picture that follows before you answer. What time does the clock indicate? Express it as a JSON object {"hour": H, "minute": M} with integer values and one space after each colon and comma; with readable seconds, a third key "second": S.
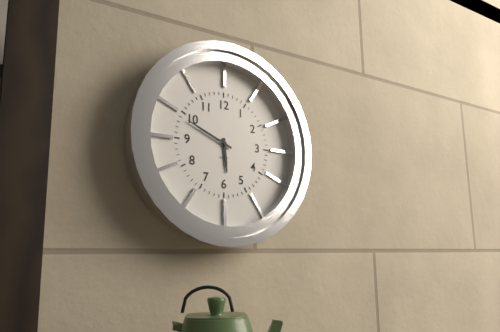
{"hour": 5, "minute": 49}
